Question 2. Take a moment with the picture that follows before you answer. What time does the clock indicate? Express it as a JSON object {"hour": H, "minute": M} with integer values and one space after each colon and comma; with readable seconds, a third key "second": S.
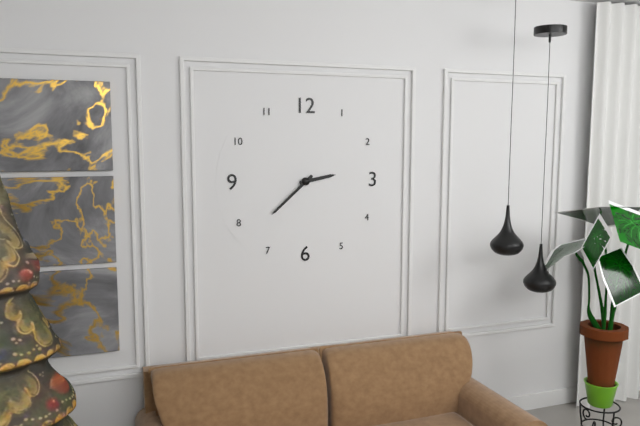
{"hour": 2, "minute": 38}
